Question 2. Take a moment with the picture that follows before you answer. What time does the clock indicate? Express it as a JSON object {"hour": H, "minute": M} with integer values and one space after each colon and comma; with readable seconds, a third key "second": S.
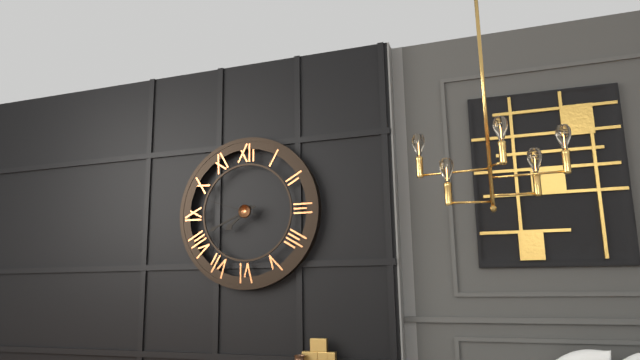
{"hour": 7, "minute": 41}
